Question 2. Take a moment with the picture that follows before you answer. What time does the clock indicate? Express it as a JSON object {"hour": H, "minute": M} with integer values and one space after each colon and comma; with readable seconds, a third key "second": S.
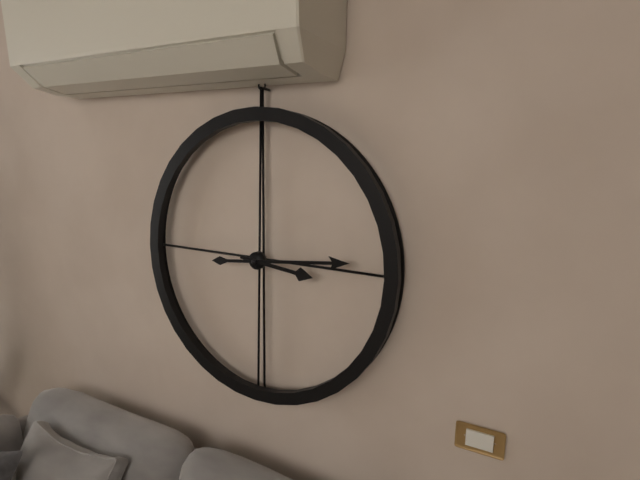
{"hour": 3, "minute": 14}
